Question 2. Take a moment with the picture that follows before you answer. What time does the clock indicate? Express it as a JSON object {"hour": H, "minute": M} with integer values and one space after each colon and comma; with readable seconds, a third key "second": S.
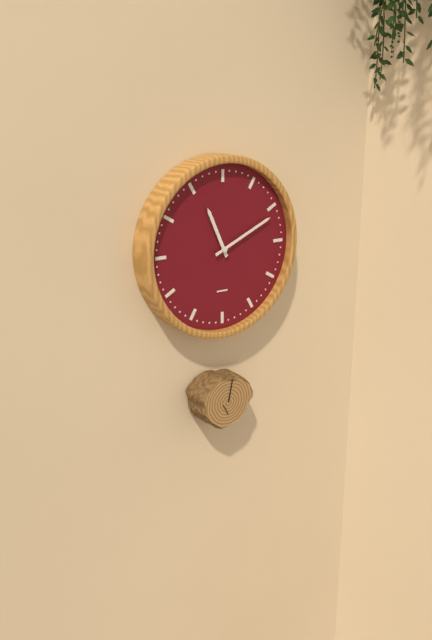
{"hour": 11, "minute": 11}
